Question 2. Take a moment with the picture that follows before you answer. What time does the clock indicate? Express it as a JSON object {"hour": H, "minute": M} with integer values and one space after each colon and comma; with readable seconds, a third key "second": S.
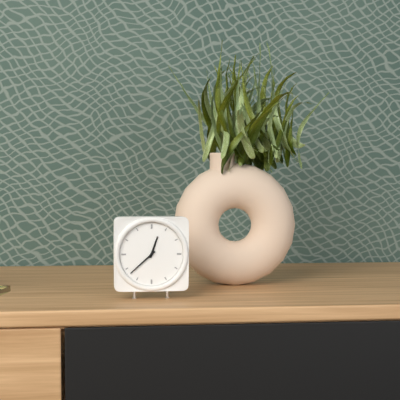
{"hour": 12, "minute": 38}
